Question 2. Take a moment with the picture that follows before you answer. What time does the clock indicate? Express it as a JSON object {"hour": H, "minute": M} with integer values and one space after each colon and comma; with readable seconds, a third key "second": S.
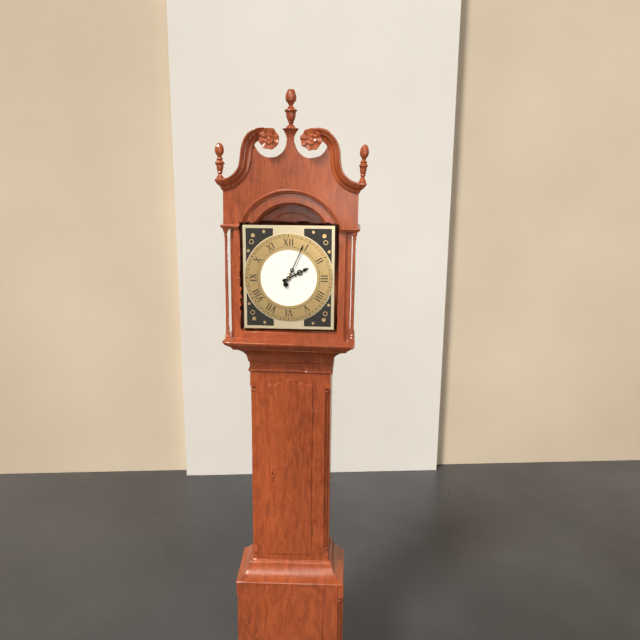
{"hour": 2, "minute": 4}
